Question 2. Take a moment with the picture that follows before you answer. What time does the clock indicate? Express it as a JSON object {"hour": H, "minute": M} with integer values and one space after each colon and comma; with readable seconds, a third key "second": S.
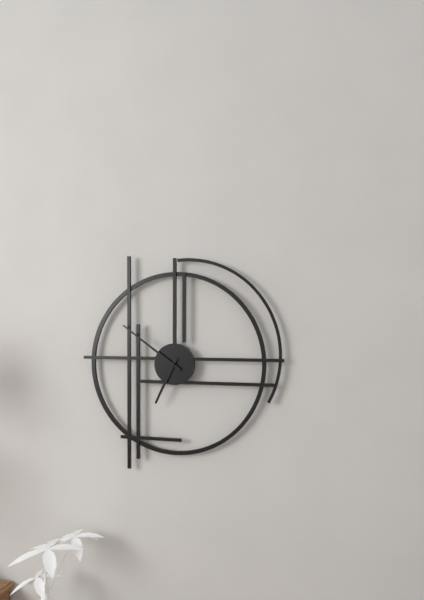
{"hour": 6, "minute": 51}
